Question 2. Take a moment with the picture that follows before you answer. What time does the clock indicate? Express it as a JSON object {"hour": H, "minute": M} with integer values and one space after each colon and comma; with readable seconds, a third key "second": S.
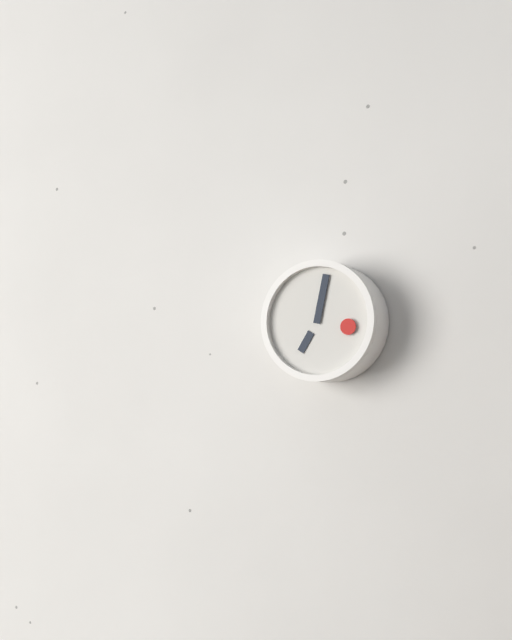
{"hour": 7, "minute": 2}
